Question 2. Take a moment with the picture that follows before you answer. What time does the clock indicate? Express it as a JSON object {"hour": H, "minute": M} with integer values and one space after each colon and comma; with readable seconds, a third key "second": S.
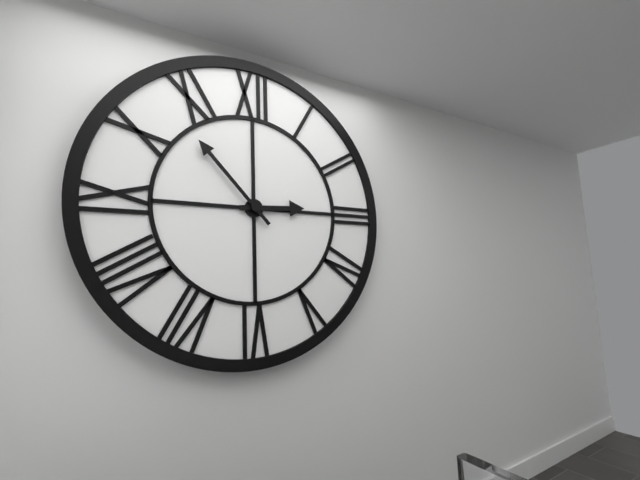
{"hour": 2, "minute": 53}
